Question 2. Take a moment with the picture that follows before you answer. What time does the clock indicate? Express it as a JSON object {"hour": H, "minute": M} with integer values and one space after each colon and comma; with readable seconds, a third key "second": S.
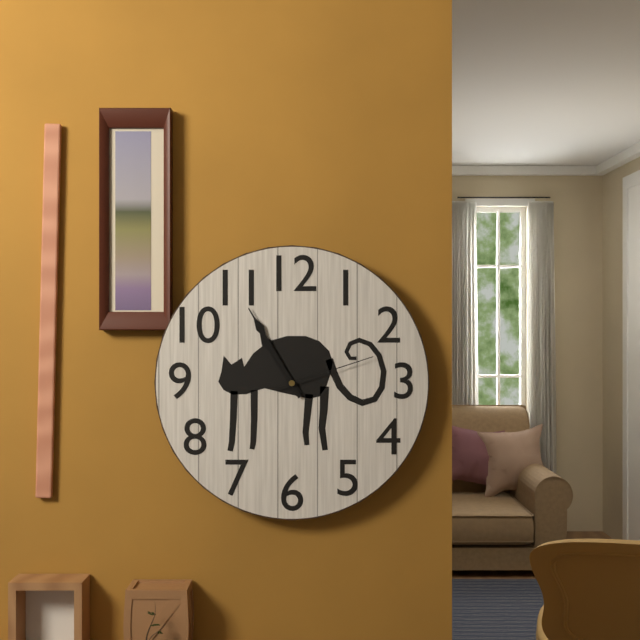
{"hour": 10, "minute": 55, "second": 12}
